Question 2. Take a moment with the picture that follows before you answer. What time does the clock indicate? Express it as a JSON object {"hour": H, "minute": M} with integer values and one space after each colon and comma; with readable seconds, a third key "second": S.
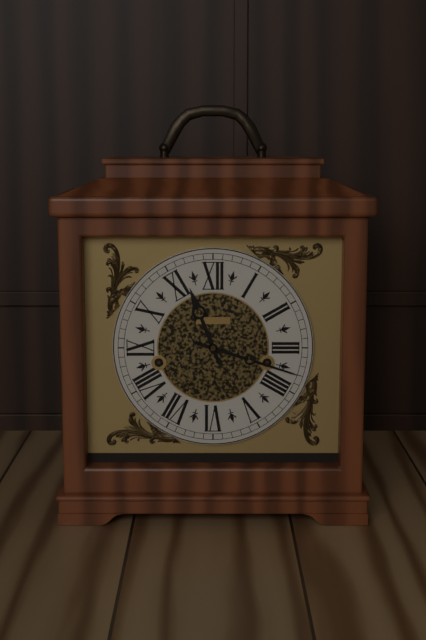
{"hour": 11, "minute": 18}
